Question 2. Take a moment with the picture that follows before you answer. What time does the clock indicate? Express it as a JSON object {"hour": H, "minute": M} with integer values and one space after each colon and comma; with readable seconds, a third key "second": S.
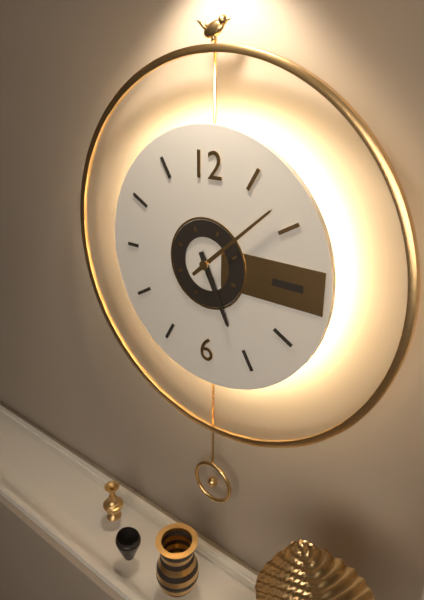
{"hour": 5, "minute": 8}
